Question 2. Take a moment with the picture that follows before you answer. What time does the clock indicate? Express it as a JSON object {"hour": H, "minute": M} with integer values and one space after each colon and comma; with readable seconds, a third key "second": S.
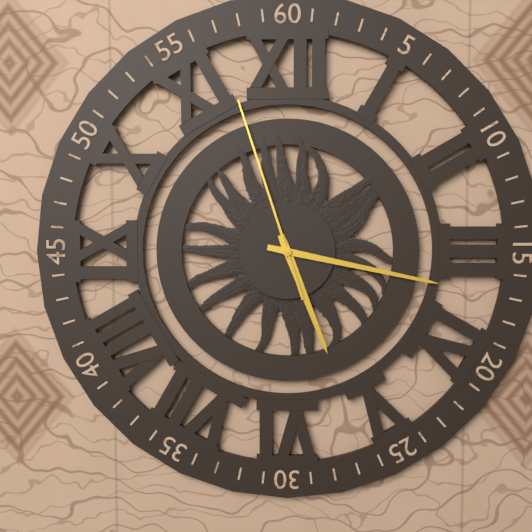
{"hour": 5, "minute": 17, "second": 57}
